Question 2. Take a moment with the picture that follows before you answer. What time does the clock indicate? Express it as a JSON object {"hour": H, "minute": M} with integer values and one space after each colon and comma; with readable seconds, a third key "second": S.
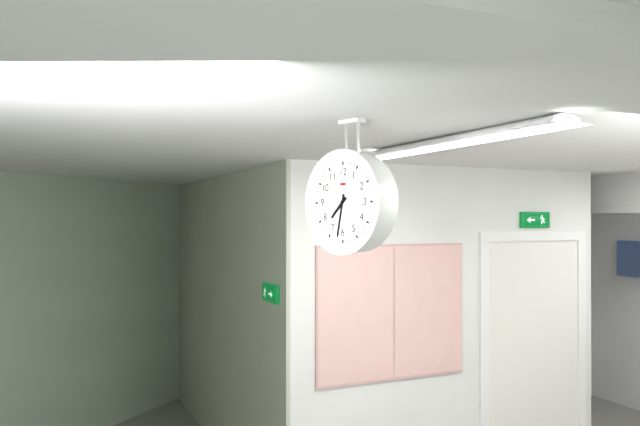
{"hour": 7, "minute": 32}
